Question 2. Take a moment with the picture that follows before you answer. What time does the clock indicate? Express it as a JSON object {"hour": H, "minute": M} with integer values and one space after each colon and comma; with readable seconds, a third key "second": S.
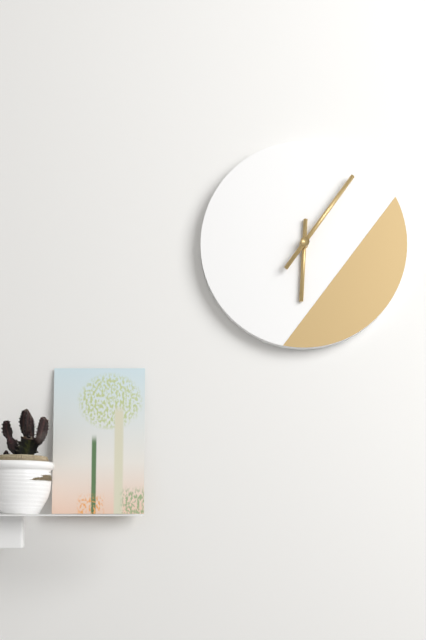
{"hour": 6, "minute": 6}
